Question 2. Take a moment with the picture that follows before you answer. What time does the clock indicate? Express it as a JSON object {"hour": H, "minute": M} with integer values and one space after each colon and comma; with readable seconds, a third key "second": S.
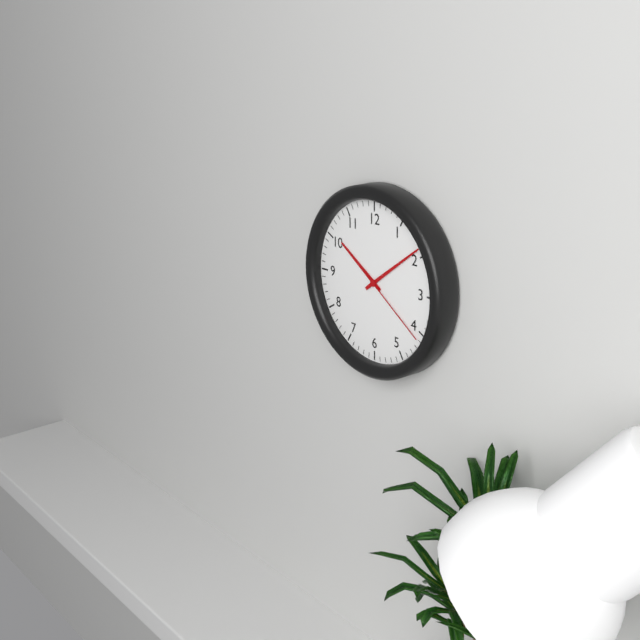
{"hour": 10, "minute": 9, "second": 21}
